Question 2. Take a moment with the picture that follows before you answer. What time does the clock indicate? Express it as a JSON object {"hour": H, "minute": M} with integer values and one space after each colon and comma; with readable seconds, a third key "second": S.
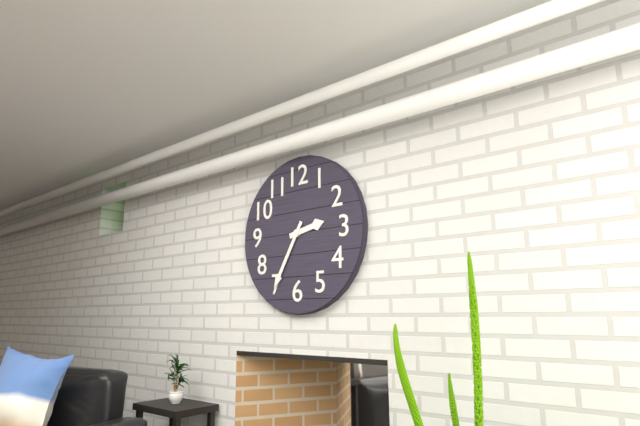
{"hour": 2, "minute": 35}
